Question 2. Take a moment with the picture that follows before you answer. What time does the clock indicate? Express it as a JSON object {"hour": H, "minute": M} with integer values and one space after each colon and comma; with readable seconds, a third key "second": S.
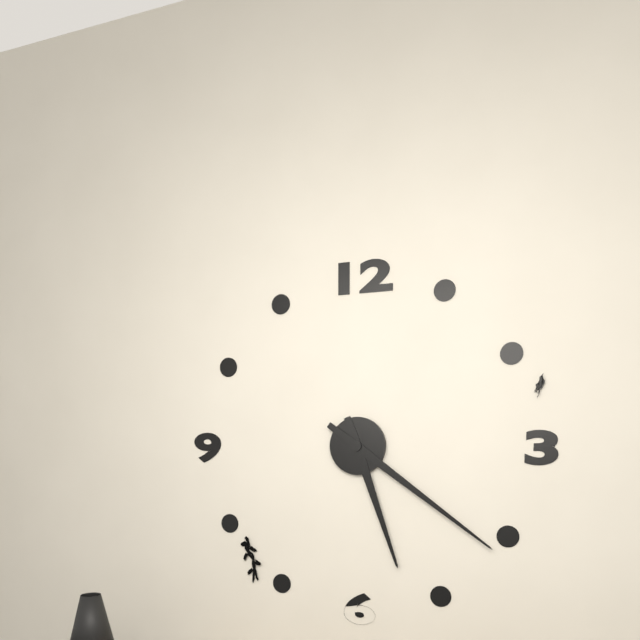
{"hour": 5, "minute": 21}
